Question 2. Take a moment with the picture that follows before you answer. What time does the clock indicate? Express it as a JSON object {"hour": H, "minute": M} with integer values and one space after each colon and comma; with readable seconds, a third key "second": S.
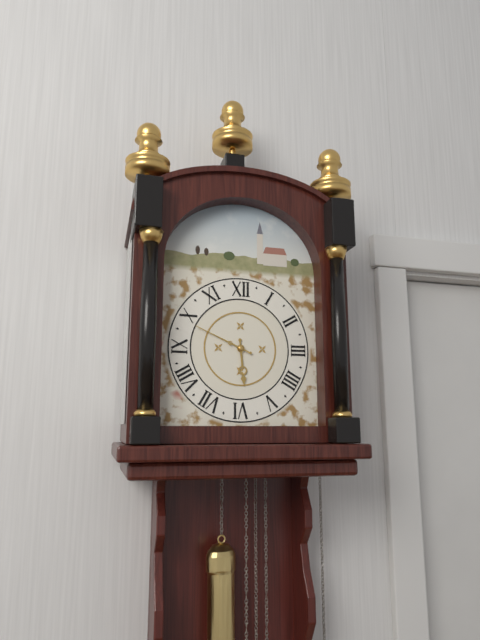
{"hour": 5, "minute": 49}
